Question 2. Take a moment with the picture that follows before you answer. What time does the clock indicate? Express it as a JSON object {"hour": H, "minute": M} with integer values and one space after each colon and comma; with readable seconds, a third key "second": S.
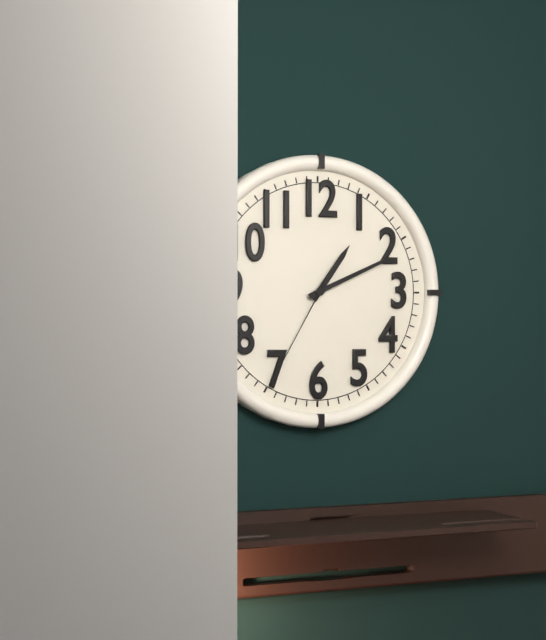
{"hour": 1, "minute": 11, "second": 35}
